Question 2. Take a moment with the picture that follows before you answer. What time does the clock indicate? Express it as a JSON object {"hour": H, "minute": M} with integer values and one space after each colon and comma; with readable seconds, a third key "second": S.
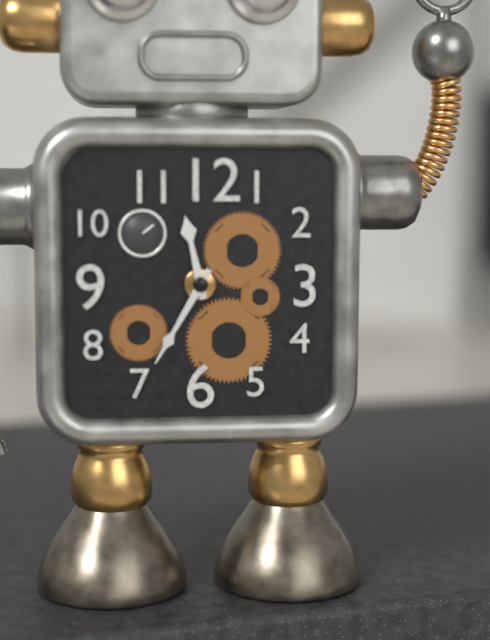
{"hour": 11, "minute": 35}
